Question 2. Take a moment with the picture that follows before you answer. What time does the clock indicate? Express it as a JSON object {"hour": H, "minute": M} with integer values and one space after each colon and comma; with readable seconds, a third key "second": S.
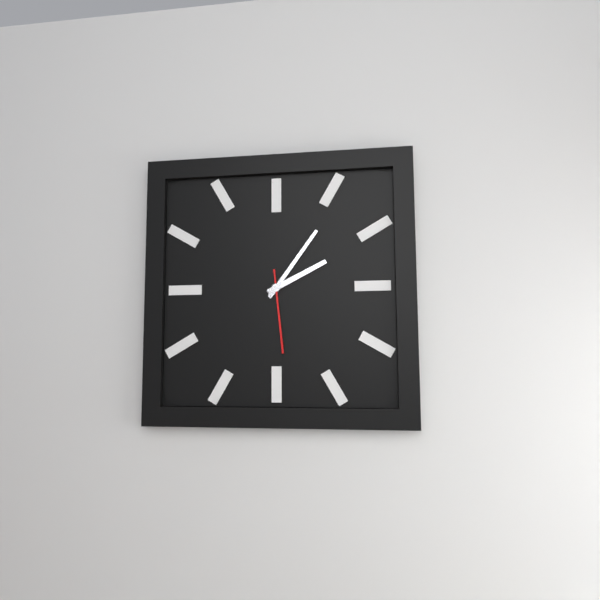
{"hour": 2, "minute": 6, "second": 29}
